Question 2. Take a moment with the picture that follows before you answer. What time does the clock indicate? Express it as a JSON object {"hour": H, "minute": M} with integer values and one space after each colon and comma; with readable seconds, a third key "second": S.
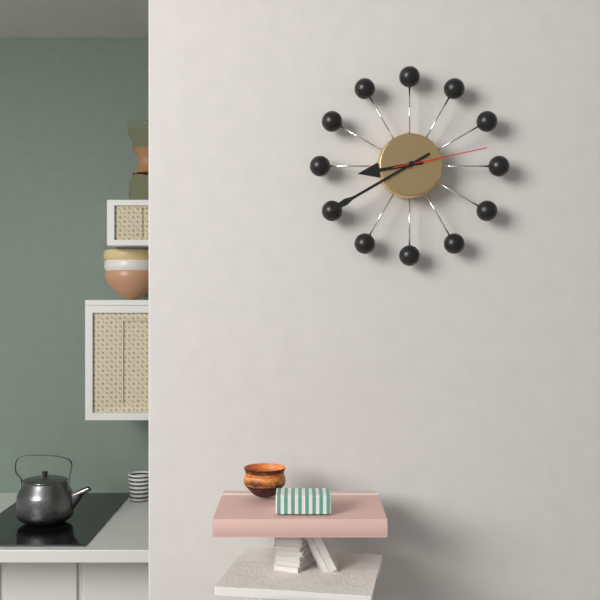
{"hour": 8, "minute": 40, "second": 13}
